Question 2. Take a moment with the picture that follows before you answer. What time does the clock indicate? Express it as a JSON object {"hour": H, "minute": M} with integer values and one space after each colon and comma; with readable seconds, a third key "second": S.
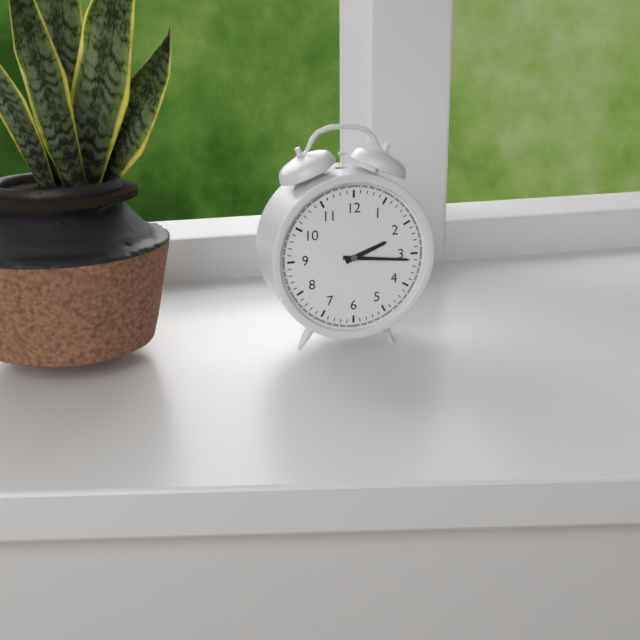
{"hour": 2, "minute": 16}
